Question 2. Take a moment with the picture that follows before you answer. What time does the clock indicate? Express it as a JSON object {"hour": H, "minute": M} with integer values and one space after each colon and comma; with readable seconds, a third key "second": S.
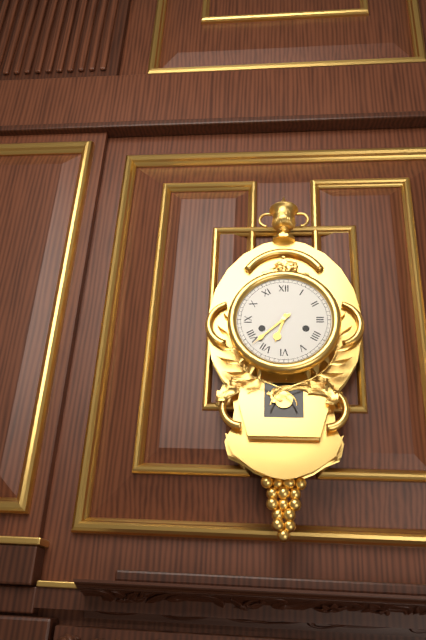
{"hour": 6, "minute": 38}
